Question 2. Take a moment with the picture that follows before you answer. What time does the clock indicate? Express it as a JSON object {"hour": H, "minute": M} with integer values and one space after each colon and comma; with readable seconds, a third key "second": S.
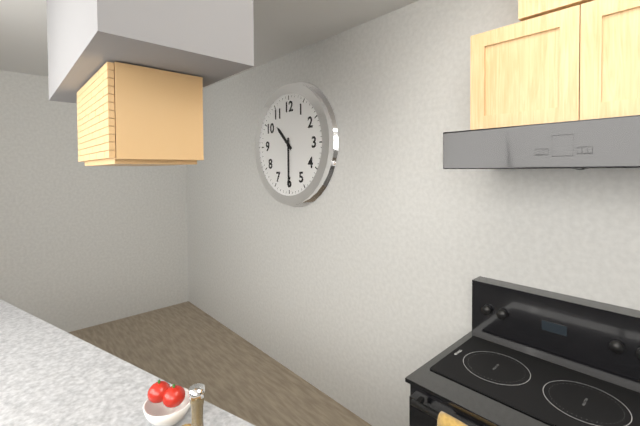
{"hour": 10, "minute": 30}
